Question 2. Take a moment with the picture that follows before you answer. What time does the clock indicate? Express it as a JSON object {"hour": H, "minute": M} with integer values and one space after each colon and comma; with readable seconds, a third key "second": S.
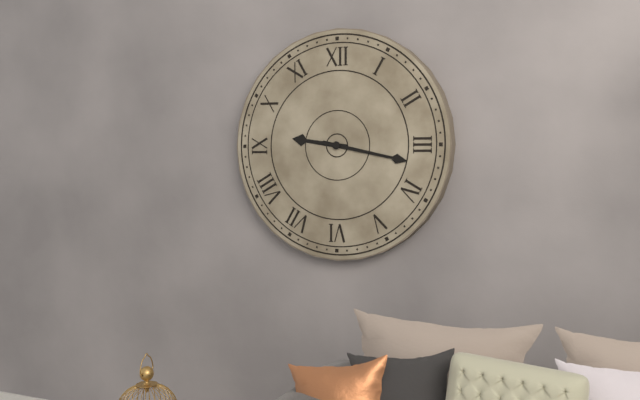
{"hour": 9, "minute": 17}
